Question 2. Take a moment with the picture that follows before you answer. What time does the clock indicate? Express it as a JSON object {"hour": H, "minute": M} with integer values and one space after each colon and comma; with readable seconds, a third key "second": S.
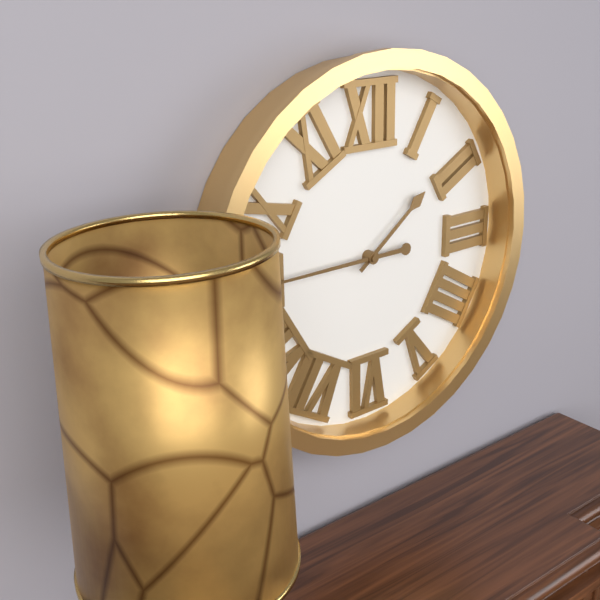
{"hour": 1, "minute": 45}
